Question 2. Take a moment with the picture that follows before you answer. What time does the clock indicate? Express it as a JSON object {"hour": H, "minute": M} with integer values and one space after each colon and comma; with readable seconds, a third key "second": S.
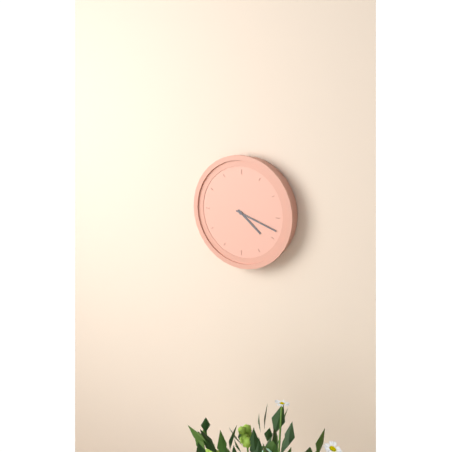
{"hour": 4, "minute": 18}
